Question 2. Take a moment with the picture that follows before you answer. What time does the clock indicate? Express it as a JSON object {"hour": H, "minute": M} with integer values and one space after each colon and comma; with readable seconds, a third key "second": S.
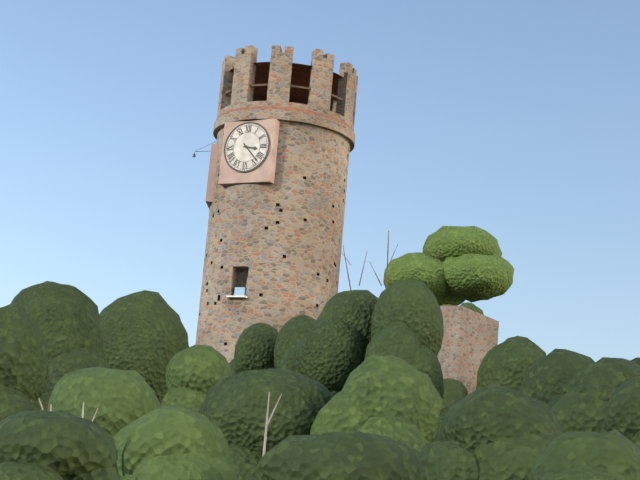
{"hour": 3, "minute": 23}
